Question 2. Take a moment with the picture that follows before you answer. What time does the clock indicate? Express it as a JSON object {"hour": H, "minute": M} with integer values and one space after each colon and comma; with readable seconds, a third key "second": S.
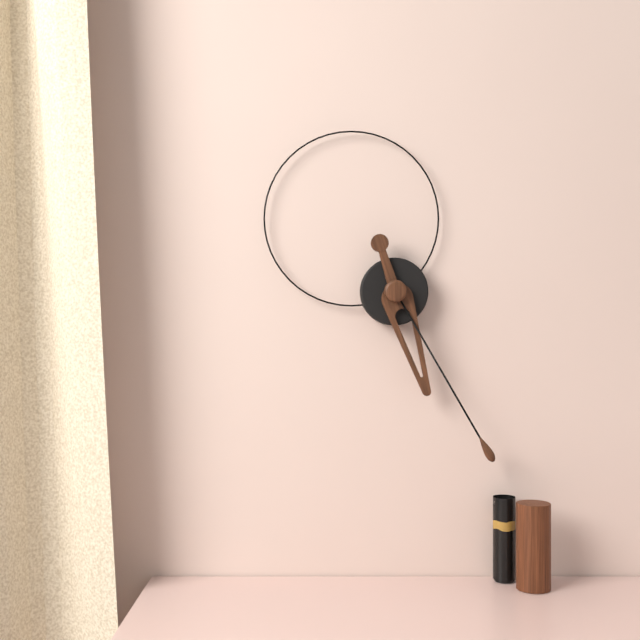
{"hour": 5, "minute": 25}
